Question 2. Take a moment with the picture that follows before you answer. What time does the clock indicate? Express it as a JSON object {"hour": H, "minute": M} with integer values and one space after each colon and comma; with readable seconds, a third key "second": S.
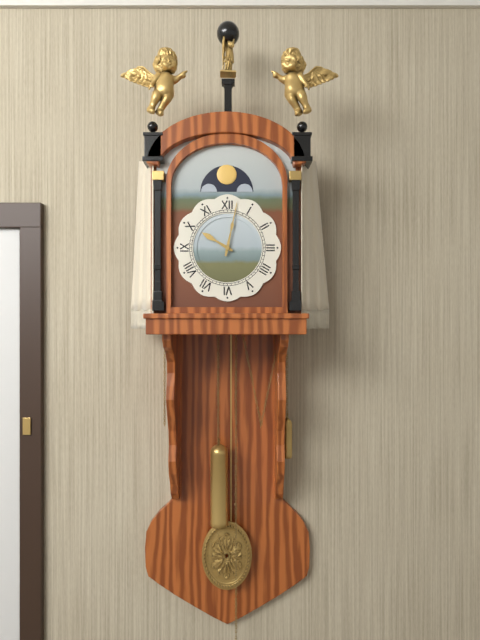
{"hour": 10, "minute": 2}
